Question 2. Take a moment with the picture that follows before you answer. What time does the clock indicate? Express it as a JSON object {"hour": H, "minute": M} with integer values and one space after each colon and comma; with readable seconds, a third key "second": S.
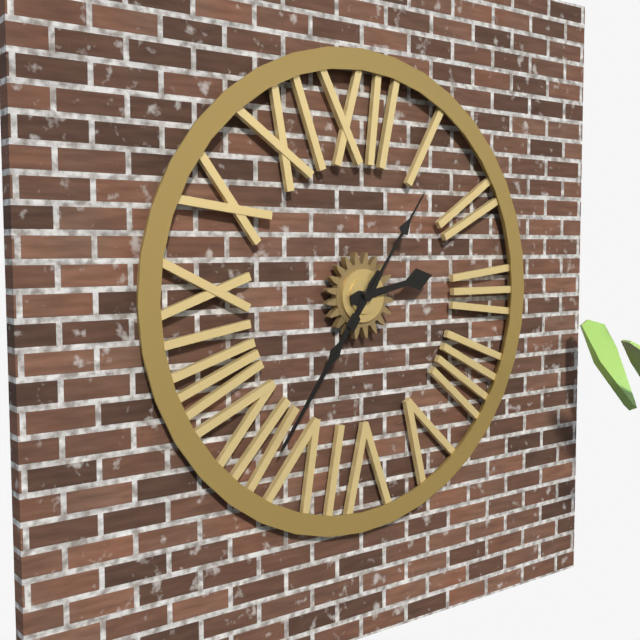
{"hour": 2, "minute": 36, "second": 6}
